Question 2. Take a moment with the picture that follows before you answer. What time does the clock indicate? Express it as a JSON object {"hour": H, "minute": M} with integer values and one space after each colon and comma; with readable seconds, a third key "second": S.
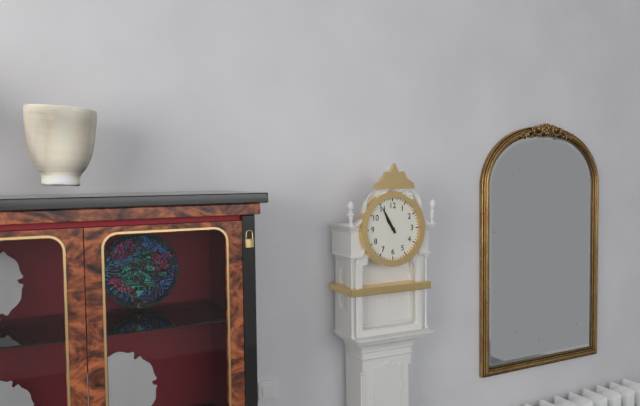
{"hour": 10, "minute": 55}
